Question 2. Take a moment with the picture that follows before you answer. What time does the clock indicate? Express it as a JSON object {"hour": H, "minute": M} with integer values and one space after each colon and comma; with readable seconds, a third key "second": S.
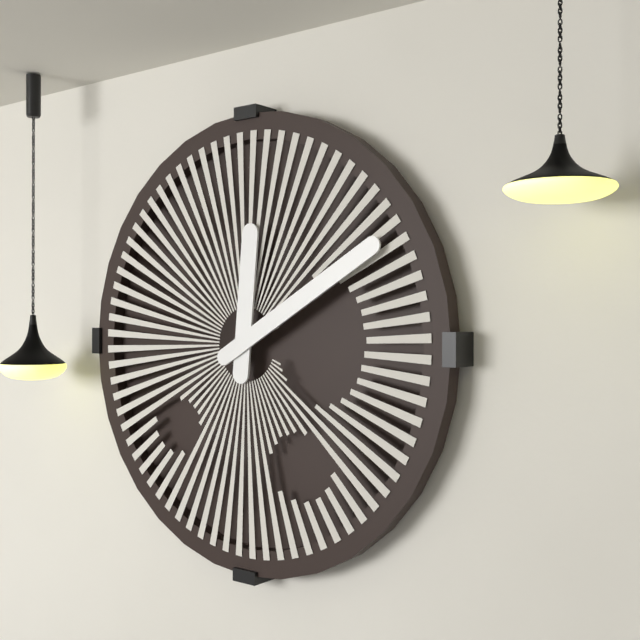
{"hour": 12, "minute": 10}
